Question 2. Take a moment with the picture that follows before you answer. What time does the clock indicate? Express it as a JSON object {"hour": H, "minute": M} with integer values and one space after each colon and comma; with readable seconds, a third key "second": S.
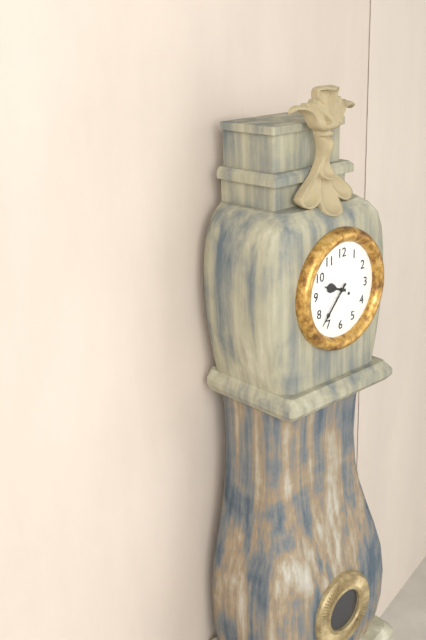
{"hour": 9, "minute": 37}
